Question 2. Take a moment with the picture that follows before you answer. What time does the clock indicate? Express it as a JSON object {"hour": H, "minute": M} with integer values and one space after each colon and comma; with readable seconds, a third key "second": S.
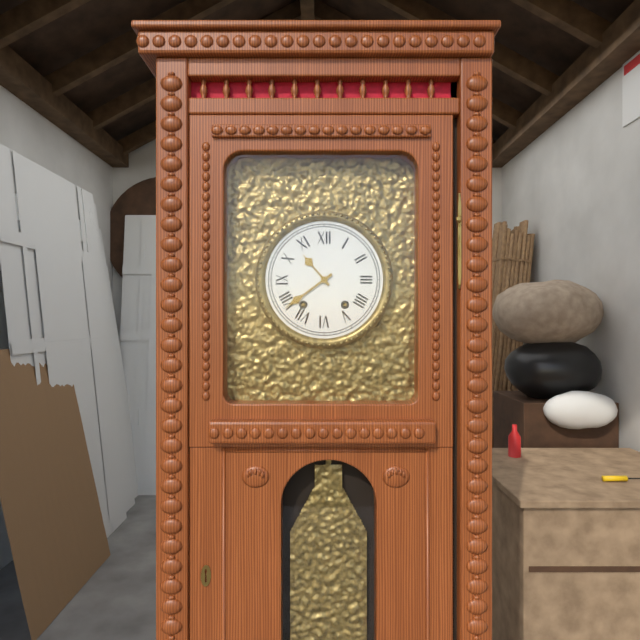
{"hour": 10, "minute": 39}
